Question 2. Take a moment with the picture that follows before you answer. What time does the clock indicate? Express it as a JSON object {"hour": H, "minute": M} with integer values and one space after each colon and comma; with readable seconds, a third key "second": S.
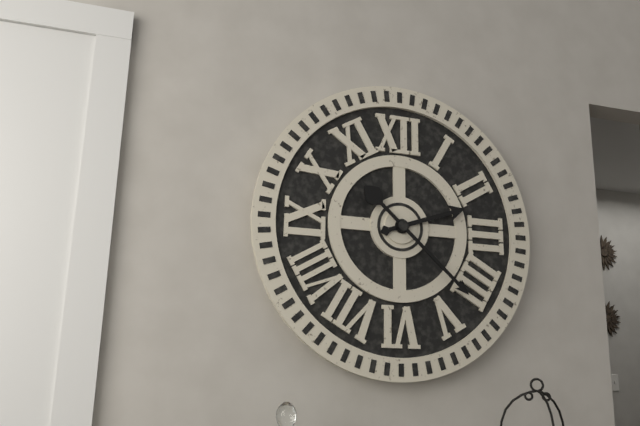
{"hour": 2, "minute": 22}
